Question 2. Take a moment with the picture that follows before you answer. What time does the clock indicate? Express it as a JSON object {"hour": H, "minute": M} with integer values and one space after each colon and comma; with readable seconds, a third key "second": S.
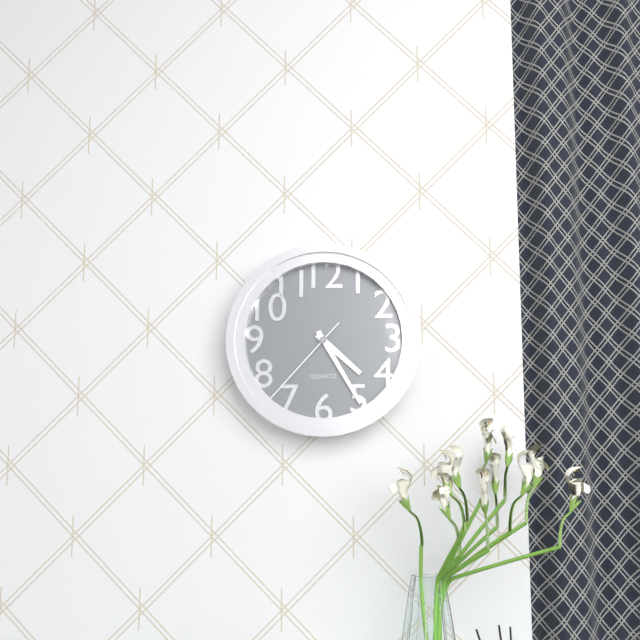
{"hour": 4, "minute": 25, "second": 37}
